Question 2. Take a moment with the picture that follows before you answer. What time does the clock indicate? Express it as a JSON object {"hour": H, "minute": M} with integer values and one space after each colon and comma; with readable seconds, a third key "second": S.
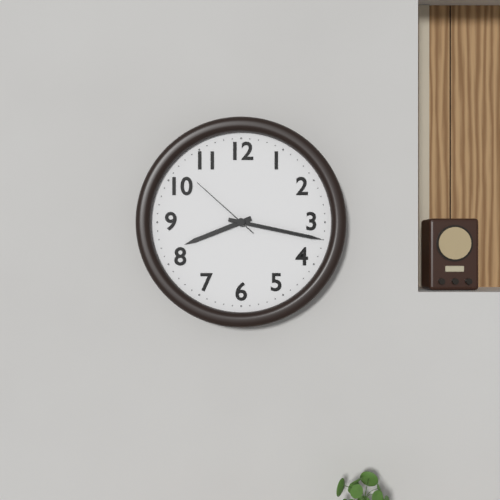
{"hour": 8, "minute": 17, "second": 52}
